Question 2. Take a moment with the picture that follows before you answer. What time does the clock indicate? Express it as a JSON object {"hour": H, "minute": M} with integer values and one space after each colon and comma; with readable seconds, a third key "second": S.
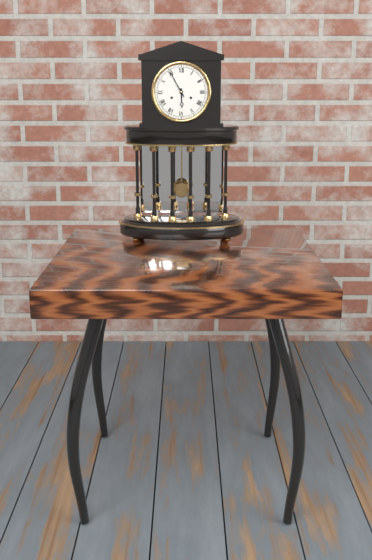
{"hour": 5, "minute": 55}
